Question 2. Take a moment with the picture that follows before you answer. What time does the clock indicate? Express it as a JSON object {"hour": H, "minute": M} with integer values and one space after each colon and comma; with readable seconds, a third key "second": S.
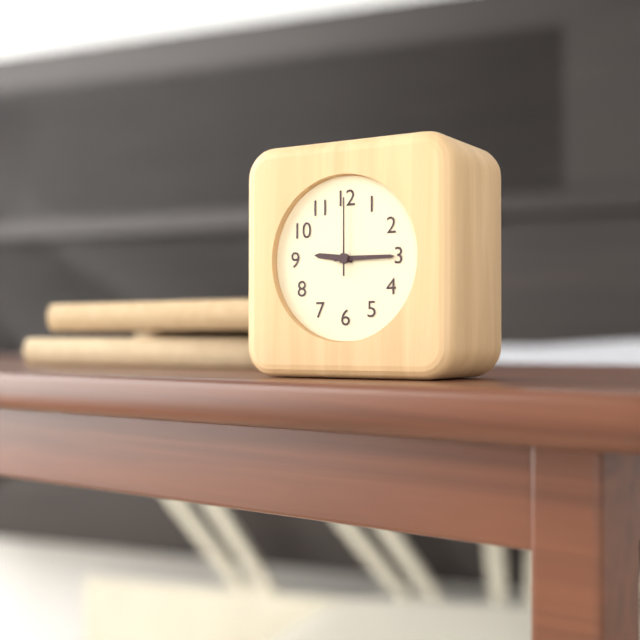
{"hour": 9, "minute": 15, "second": 0}
